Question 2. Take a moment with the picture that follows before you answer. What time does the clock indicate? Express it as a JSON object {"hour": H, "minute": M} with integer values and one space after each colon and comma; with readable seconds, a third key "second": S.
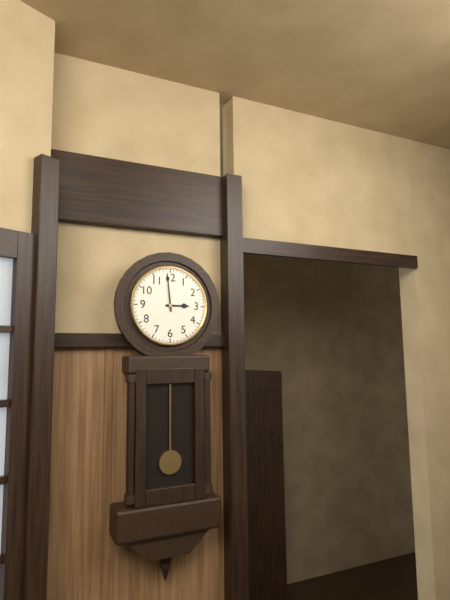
{"hour": 2, "minute": 59}
